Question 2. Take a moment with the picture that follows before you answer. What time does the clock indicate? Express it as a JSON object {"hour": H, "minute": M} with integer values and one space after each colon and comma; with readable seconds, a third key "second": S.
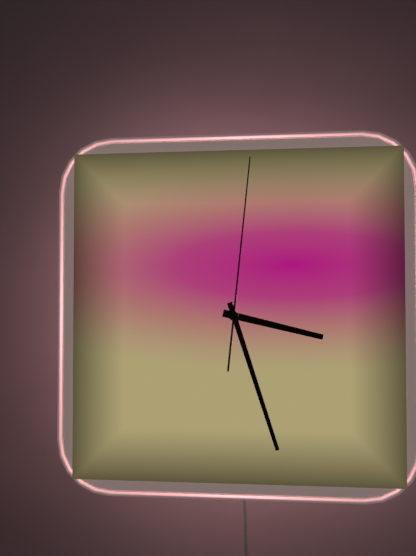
{"hour": 3, "minute": 27, "second": 1}
